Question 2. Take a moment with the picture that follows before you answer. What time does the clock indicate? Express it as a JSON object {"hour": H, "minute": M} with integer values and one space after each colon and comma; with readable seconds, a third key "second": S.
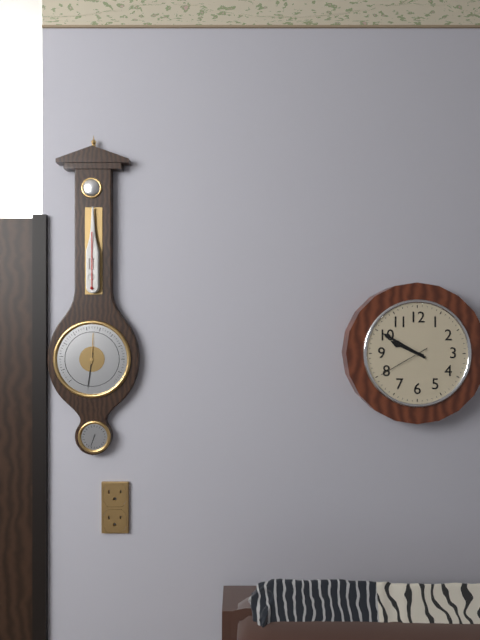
{"hour": 9, "minute": 50, "second": 40}
